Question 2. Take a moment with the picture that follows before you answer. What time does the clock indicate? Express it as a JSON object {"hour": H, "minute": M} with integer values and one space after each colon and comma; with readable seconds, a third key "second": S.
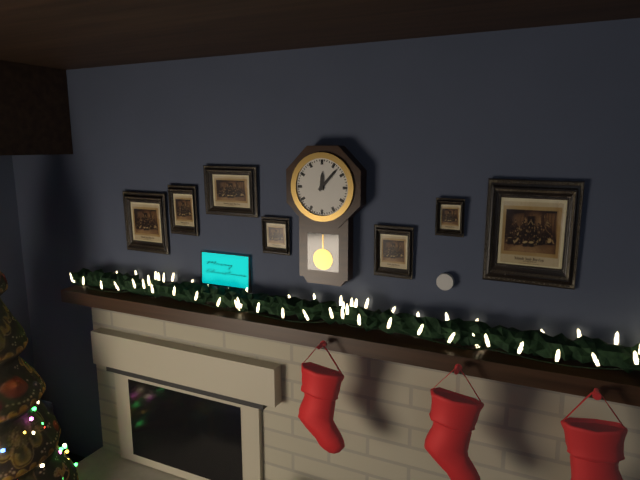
{"hour": 12, "minute": 7}
